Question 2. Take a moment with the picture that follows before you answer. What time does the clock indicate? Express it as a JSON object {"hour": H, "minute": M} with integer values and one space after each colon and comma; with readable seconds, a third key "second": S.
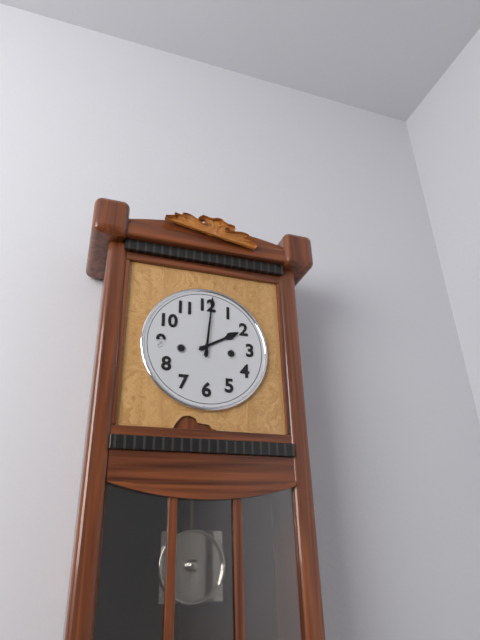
{"hour": 2, "minute": 1}
